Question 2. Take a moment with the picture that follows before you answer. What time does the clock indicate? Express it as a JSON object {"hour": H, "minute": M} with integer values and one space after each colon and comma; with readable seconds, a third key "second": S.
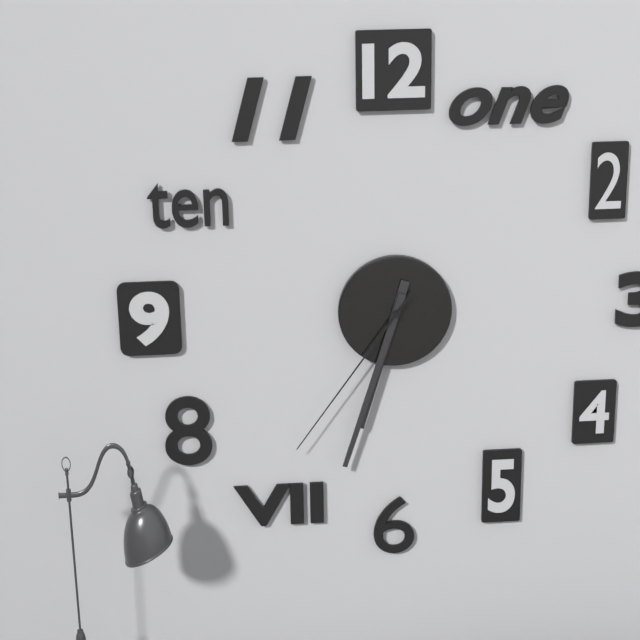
{"hour": 6, "minute": 33, "second": 36}
